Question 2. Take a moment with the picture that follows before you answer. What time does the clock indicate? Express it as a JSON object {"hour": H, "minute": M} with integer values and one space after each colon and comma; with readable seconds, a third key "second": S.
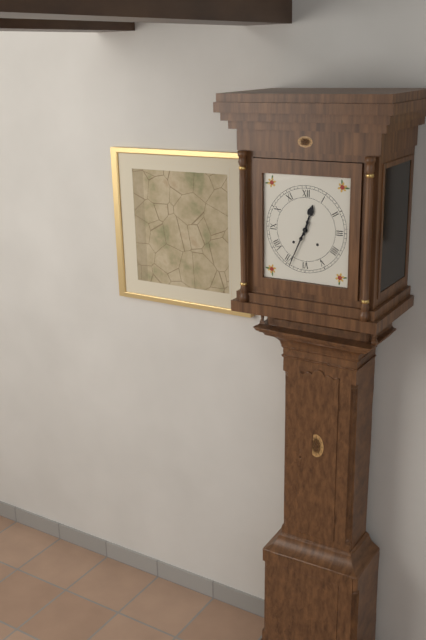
{"hour": 12, "minute": 34}
